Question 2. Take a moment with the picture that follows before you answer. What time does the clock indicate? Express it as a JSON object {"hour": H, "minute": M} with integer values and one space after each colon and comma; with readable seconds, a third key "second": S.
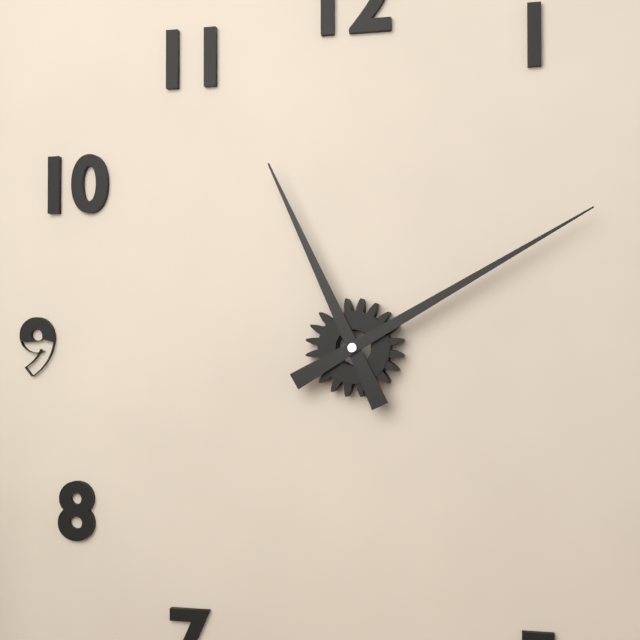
{"hour": 11, "minute": 10}
